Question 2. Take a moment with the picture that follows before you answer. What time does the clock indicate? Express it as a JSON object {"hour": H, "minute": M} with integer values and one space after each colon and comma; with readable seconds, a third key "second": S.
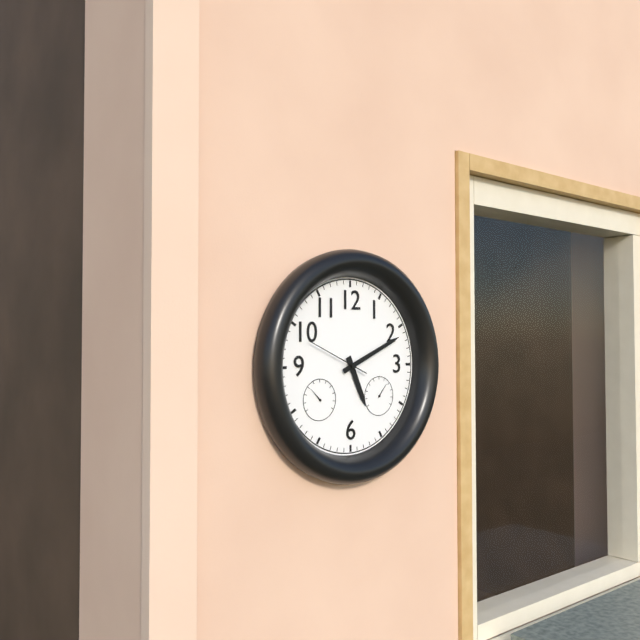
{"hour": 5, "minute": 11, "second": 49}
